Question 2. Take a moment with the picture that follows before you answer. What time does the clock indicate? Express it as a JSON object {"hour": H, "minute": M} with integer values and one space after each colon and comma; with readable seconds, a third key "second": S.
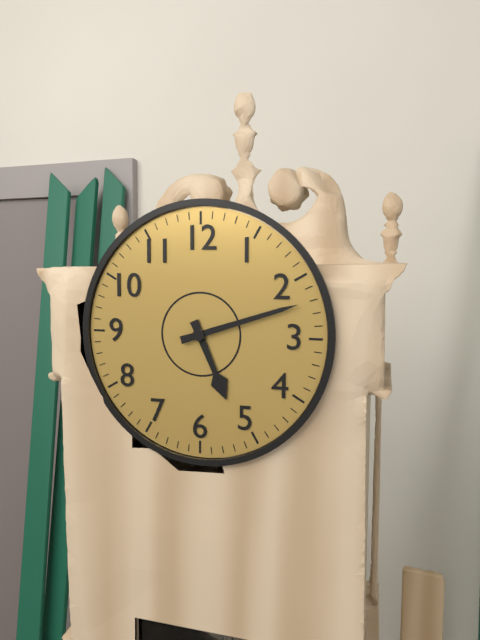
{"hour": 5, "minute": 12}
